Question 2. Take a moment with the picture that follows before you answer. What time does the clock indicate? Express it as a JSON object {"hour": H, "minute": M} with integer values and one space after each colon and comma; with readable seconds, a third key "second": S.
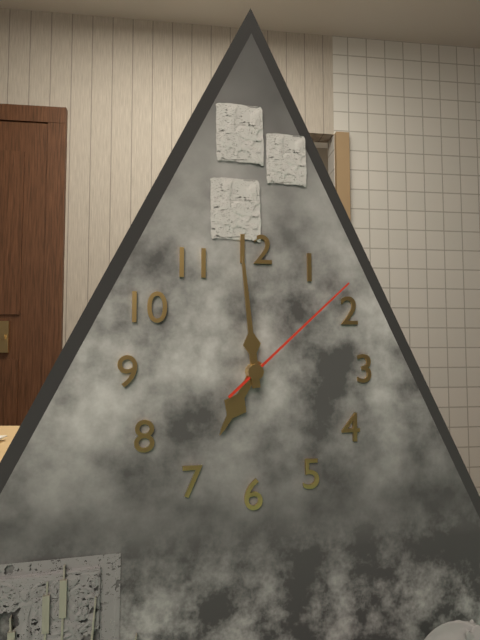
{"hour": 6, "minute": 59, "second": 8}
